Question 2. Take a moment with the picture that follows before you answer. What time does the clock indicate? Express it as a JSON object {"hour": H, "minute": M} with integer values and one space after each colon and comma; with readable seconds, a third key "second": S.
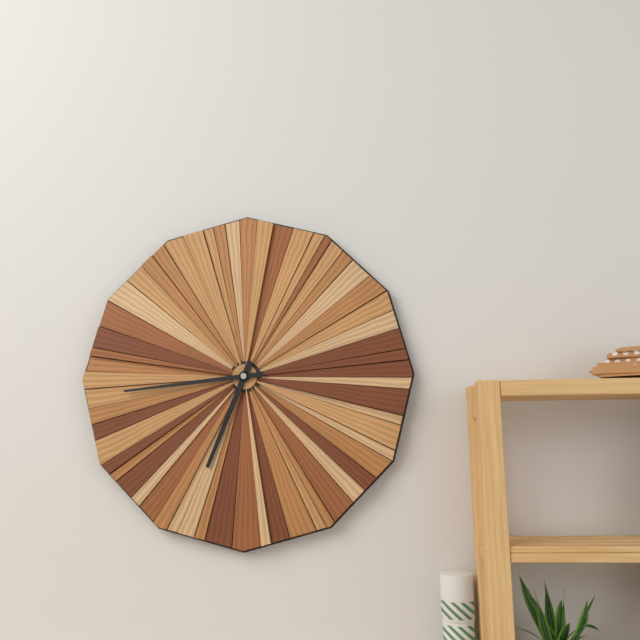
{"hour": 6, "minute": 44}
